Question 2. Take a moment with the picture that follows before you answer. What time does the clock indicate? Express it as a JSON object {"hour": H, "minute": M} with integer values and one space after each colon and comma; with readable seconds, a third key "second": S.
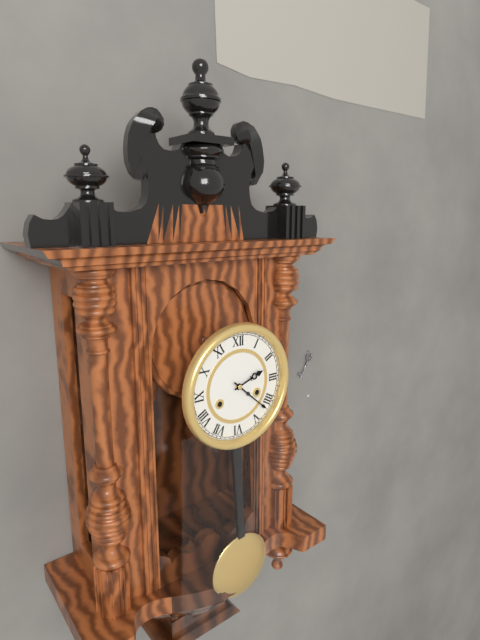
{"hour": 2, "minute": 22}
